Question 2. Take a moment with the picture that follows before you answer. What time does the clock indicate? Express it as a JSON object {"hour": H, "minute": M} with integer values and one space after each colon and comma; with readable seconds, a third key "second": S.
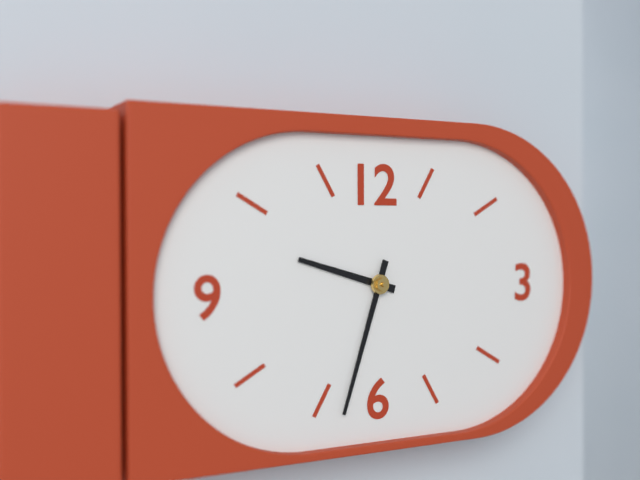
{"hour": 9, "minute": 33}
